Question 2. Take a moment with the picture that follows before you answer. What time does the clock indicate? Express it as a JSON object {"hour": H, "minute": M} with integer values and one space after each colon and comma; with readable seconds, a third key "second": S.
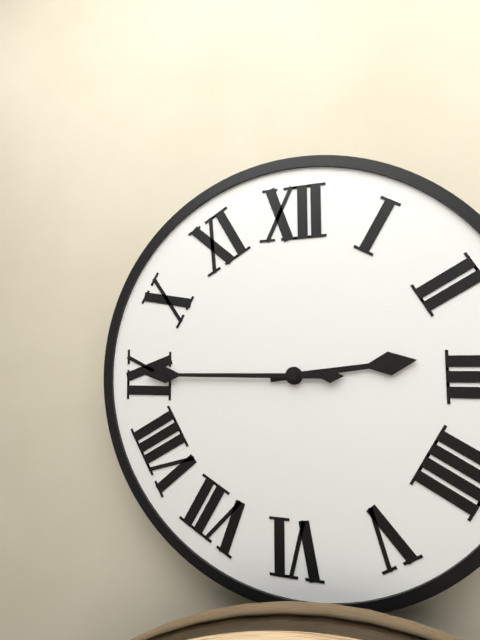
{"hour": 2, "minute": 45}
